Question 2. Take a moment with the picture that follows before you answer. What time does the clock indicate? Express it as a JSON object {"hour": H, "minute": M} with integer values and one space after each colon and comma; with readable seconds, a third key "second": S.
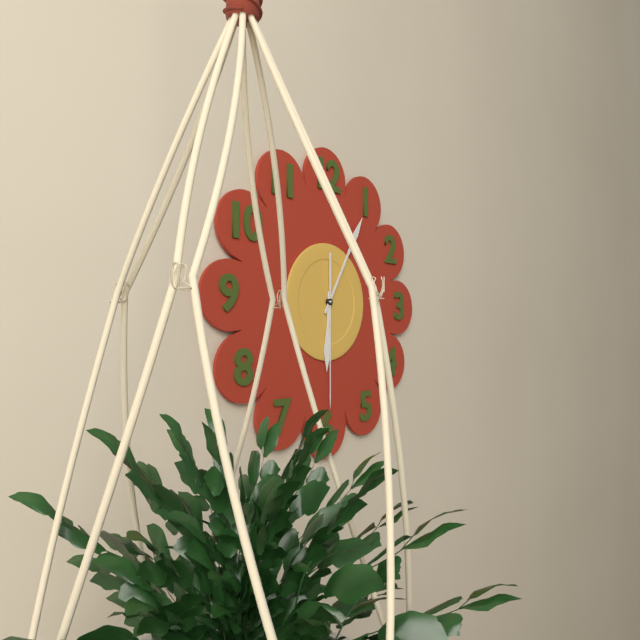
{"hour": 6, "minute": 5, "second": 30}
